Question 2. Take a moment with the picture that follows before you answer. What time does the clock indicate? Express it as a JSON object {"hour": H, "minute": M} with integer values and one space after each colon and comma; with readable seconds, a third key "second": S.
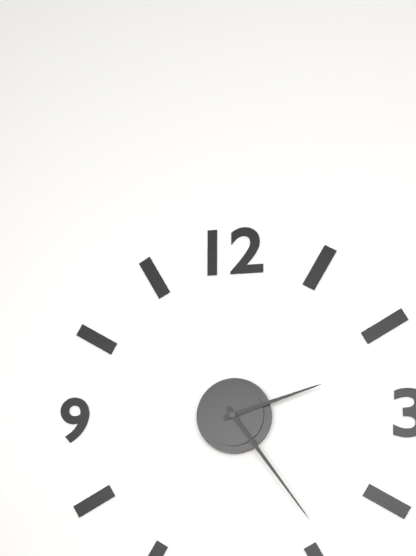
{"hour": 2, "minute": 24}
